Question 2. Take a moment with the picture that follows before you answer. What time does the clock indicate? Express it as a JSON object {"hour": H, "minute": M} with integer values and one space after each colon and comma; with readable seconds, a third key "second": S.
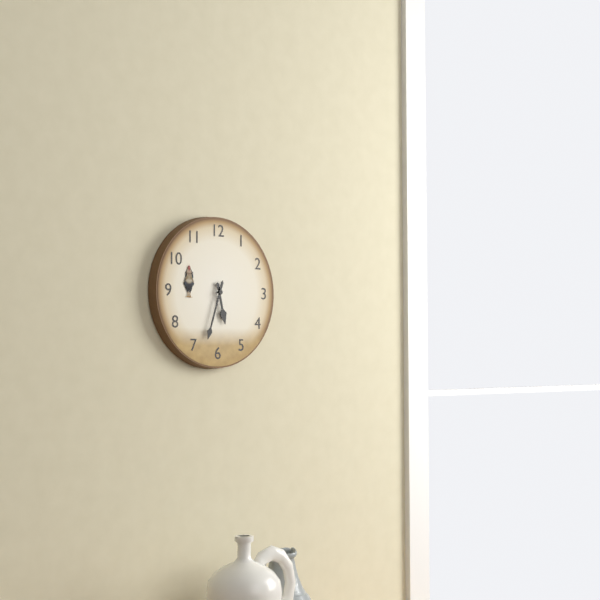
{"hour": 5, "minute": 33}
